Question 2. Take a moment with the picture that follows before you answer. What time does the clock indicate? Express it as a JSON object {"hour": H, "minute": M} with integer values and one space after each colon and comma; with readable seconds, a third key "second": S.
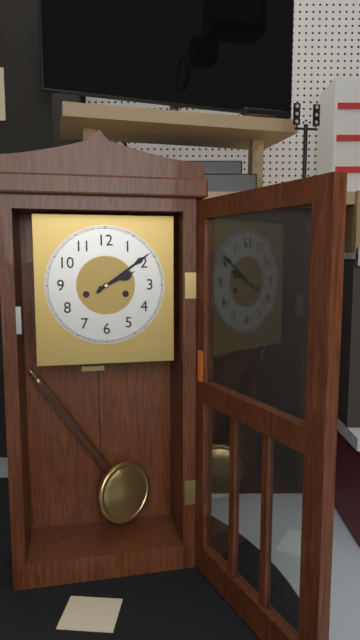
{"hour": 2, "minute": 9}
